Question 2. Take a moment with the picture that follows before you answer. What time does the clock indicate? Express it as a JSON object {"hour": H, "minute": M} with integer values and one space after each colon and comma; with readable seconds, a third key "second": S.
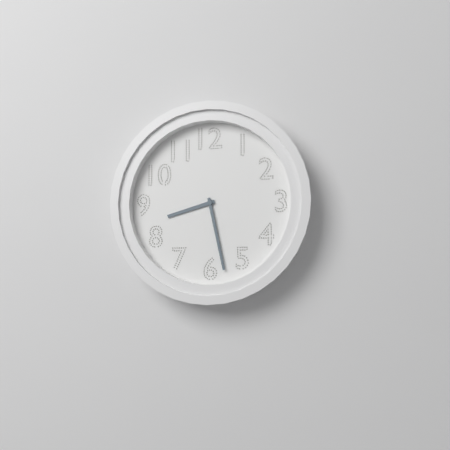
{"hour": 8, "minute": 28}
